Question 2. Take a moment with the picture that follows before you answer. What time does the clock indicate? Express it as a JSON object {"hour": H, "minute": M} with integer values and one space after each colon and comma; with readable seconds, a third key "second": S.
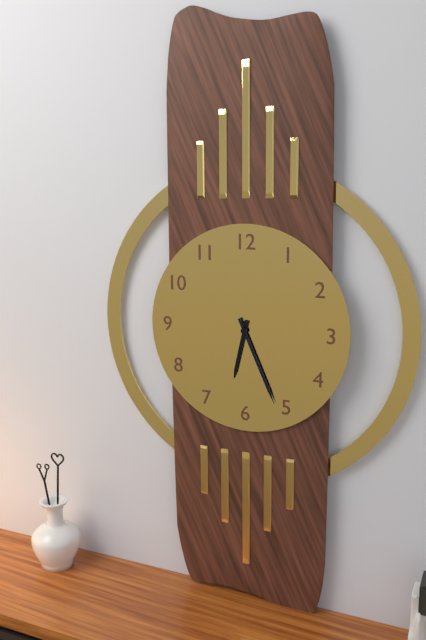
{"hour": 6, "minute": 26}
